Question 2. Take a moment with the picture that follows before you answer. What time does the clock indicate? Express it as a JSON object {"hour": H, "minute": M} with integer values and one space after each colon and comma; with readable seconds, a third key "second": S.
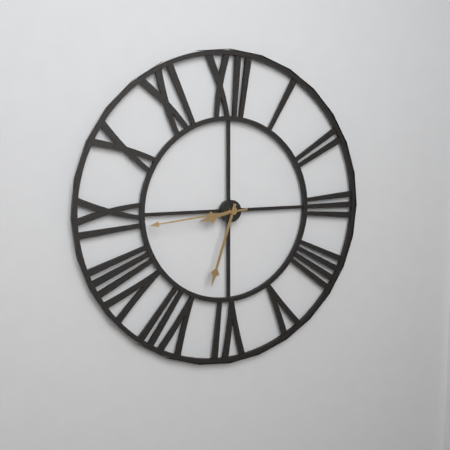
{"hour": 8, "minute": 33, "second": 44}
